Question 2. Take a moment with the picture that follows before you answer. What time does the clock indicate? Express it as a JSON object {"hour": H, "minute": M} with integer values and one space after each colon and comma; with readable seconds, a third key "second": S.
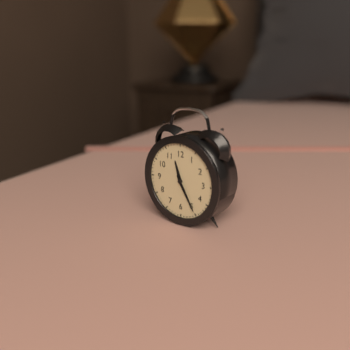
{"hour": 11, "minute": 25}
